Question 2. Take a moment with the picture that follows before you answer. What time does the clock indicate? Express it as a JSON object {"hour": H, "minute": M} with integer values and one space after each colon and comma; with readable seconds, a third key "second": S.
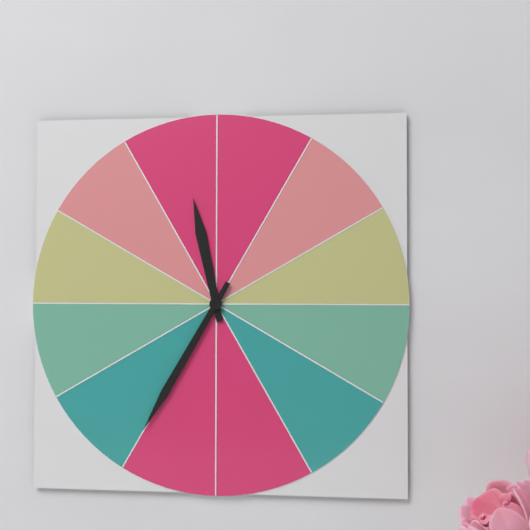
{"hour": 11, "minute": 35}
